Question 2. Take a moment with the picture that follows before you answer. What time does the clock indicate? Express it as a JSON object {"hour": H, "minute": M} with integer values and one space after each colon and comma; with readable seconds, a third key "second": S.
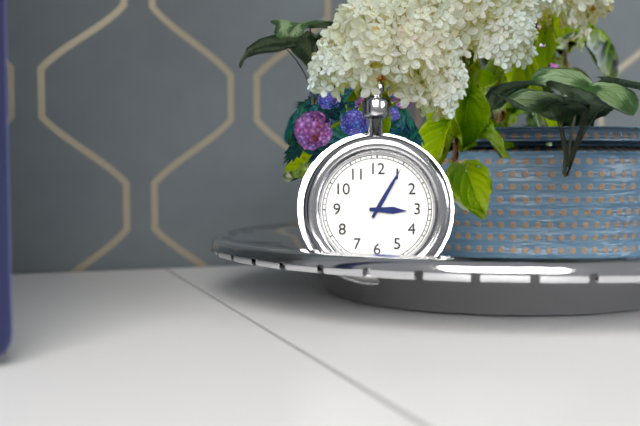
{"hour": 3, "minute": 5}
